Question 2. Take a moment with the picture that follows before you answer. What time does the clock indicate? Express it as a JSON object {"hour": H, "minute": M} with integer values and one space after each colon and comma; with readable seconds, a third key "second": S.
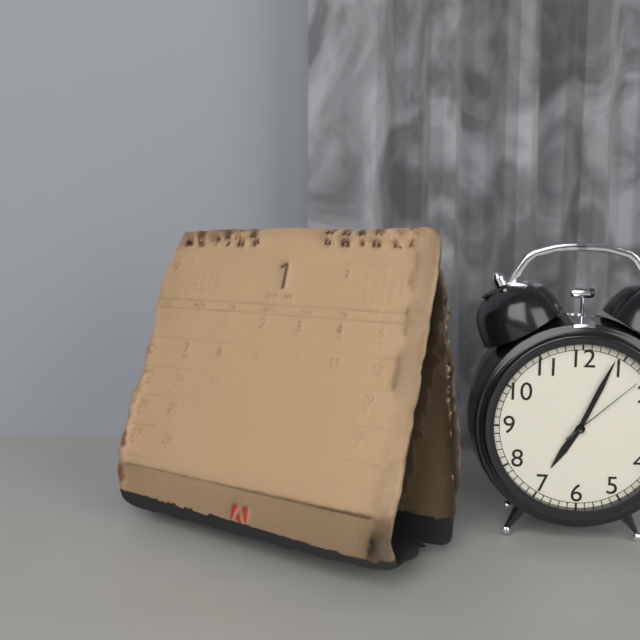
{"hour": 7, "minute": 4, "second": 8}
